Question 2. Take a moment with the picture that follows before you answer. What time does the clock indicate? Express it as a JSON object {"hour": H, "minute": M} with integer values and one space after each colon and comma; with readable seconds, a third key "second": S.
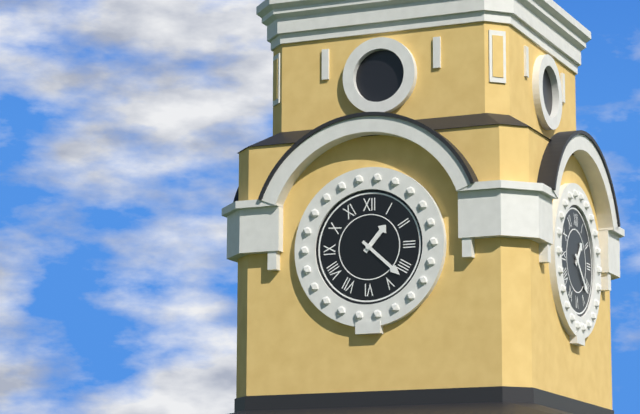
{"hour": 1, "minute": 22}
